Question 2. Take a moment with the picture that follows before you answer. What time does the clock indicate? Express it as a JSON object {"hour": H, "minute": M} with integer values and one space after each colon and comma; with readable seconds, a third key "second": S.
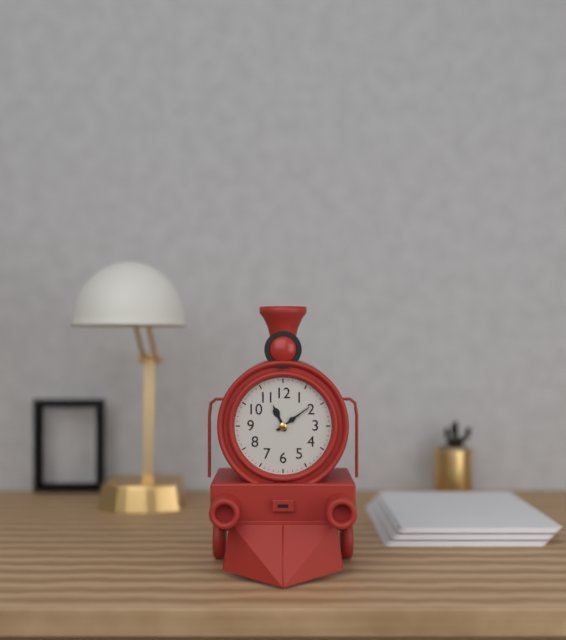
{"hour": 11, "minute": 9}
